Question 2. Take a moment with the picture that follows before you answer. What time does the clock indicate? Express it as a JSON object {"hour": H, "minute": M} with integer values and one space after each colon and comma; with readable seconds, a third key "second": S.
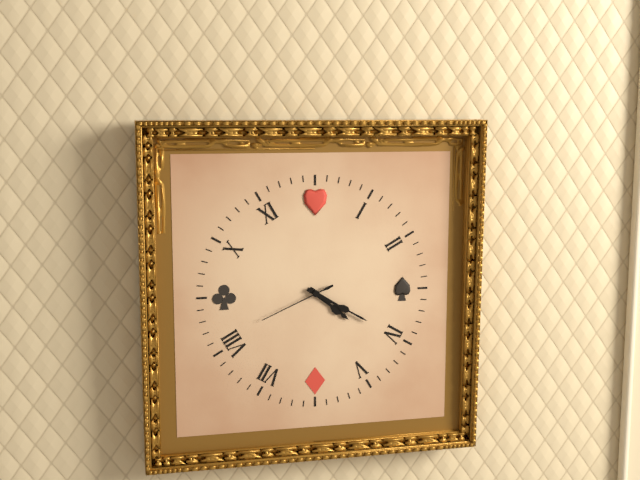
{"hour": 4, "minute": 20, "second": 41}
